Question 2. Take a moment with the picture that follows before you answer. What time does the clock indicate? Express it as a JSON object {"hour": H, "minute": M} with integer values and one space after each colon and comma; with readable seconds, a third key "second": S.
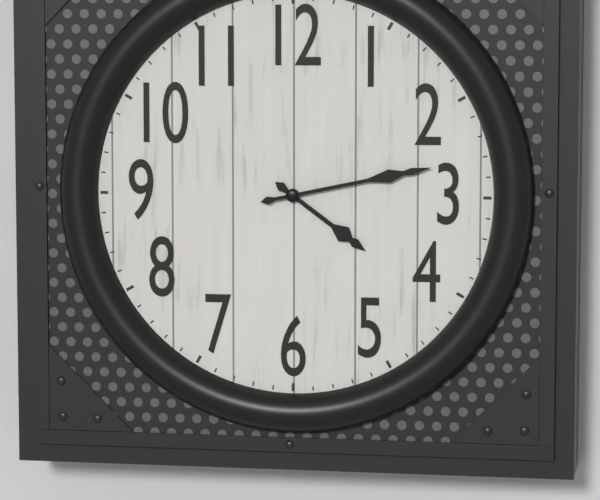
{"hour": 4, "minute": 13}
